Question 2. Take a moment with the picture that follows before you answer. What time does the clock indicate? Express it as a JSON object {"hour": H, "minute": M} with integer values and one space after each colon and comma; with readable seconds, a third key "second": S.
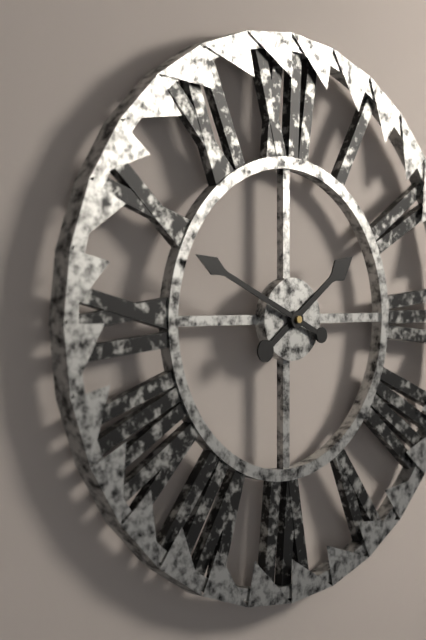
{"hour": 1, "minute": 49}
